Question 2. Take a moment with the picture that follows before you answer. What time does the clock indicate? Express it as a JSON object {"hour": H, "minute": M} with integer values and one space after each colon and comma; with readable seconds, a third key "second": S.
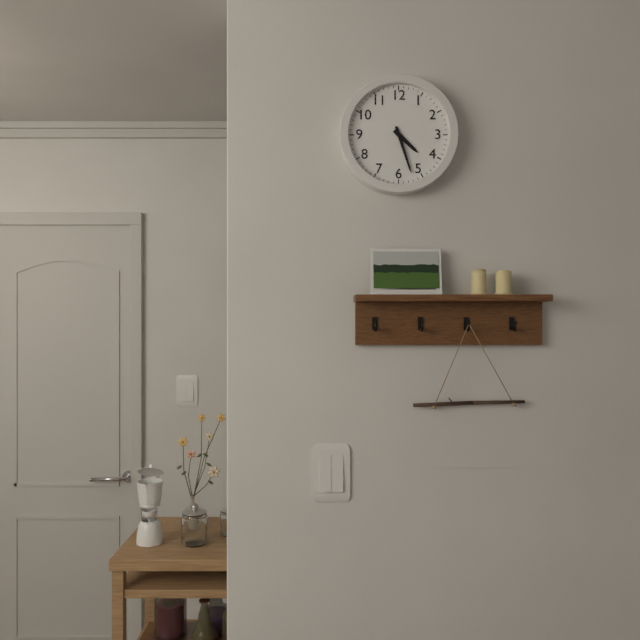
{"hour": 4, "minute": 27}
